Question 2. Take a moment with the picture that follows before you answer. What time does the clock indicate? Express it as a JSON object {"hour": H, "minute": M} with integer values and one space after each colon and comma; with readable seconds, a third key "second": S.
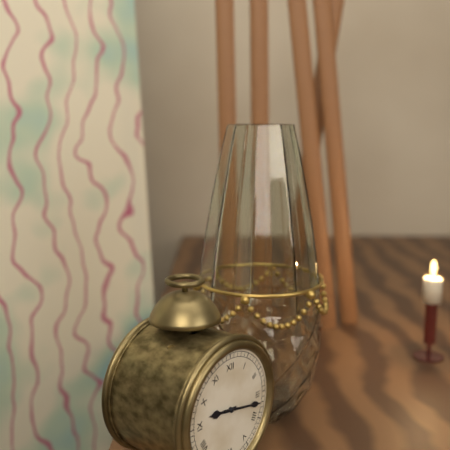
{"hour": 9, "minute": 17}
